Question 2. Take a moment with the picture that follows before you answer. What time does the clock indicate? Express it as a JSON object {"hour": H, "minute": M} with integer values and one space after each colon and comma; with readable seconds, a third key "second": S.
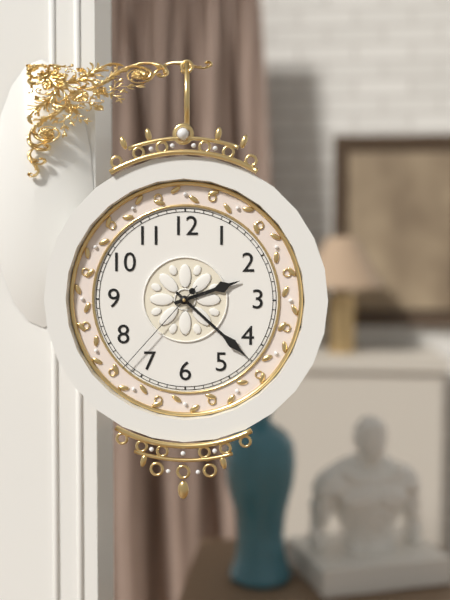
{"hour": 2, "minute": 22, "second": 37}
